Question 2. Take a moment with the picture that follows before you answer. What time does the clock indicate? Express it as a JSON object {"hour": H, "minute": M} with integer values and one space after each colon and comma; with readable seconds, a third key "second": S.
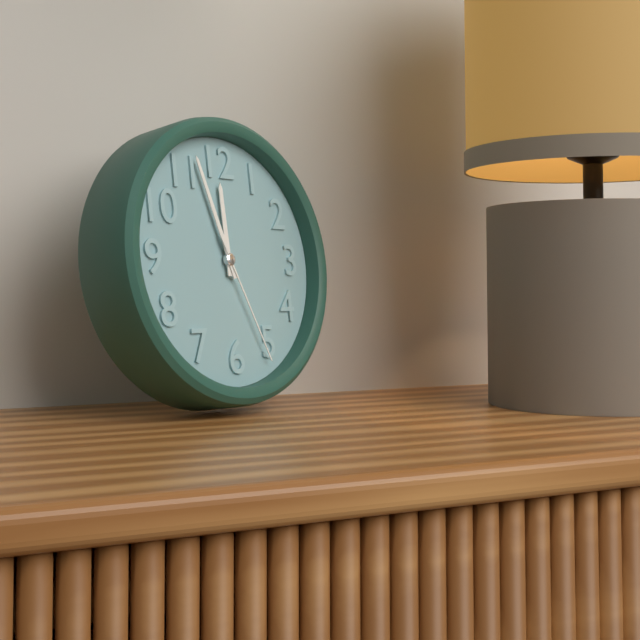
{"hour": 11, "minute": 57, "second": 26}
